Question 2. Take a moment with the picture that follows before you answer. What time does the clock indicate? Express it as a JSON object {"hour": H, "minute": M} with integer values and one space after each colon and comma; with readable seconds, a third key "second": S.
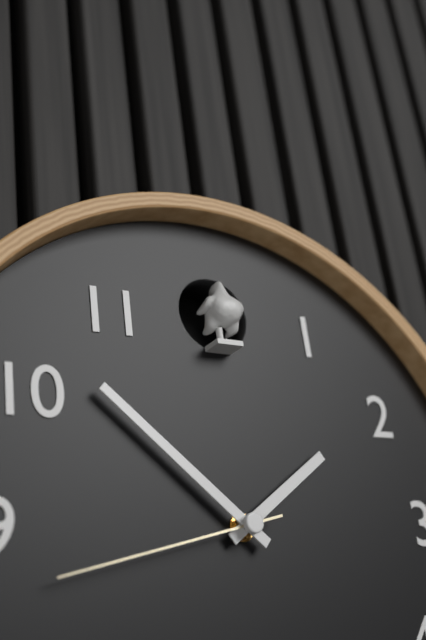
{"hour": 1, "minute": 52, "second": 43}
